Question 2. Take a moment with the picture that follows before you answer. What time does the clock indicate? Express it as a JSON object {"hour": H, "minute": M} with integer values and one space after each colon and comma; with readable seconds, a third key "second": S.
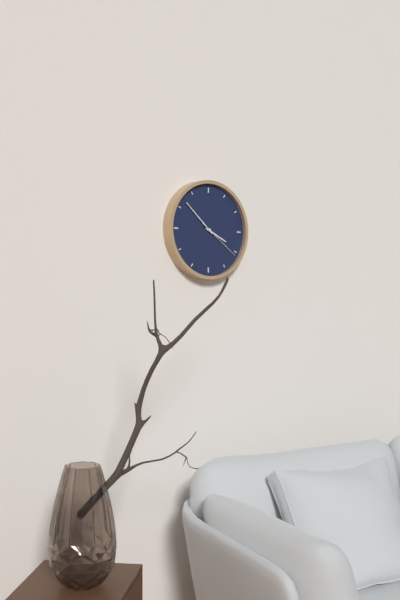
{"hour": 3, "minute": 52}
